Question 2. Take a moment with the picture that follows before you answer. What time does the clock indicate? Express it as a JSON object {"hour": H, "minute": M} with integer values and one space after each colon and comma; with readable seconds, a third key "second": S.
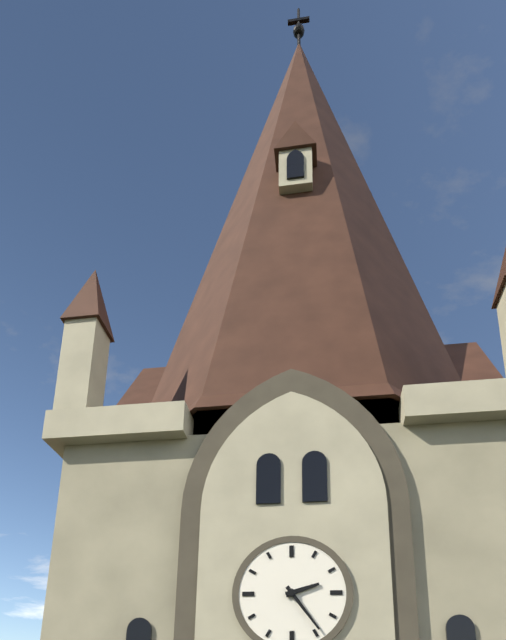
{"hour": 2, "minute": 24}
